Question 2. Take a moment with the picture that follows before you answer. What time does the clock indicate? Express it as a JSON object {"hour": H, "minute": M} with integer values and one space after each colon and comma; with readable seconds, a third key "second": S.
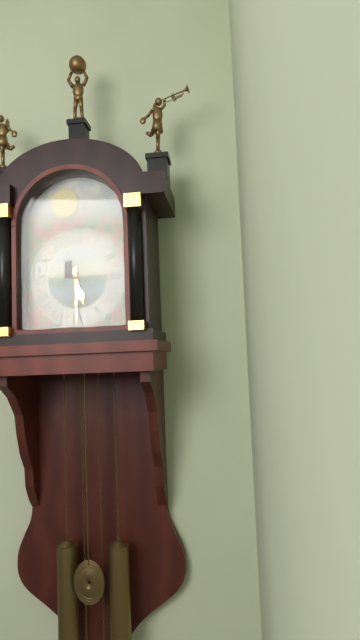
{"hour": 5, "minute": 30}
